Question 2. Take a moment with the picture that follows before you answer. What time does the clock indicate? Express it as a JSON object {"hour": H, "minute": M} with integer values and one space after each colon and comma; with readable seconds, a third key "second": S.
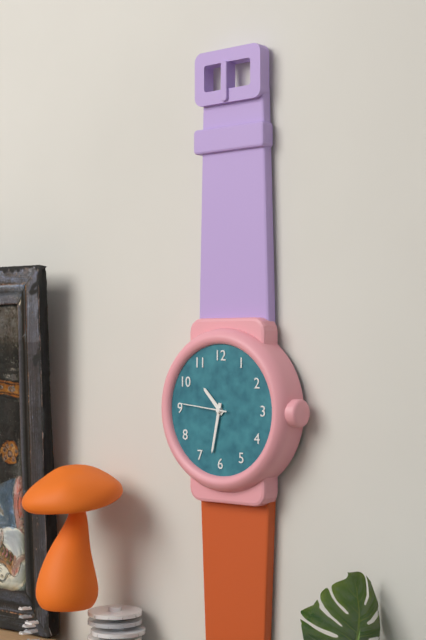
{"hour": 10, "minute": 32}
